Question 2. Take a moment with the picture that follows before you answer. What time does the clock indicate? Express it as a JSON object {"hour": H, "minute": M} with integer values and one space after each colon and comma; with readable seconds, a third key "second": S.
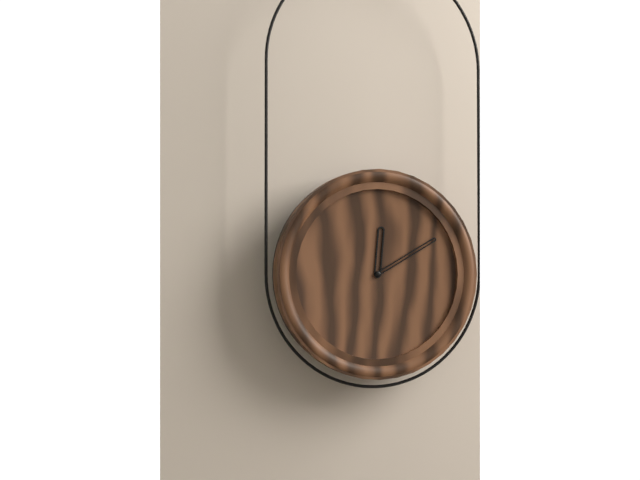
{"hour": 12, "minute": 10}
